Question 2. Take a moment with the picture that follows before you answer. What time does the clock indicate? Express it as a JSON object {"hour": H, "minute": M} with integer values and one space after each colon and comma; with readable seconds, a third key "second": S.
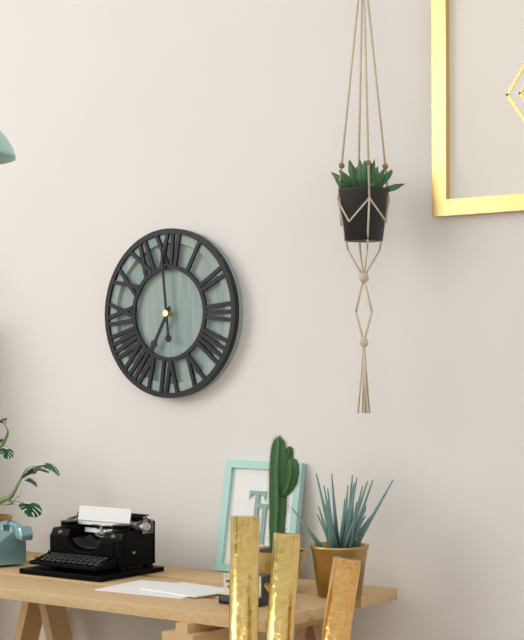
{"hour": 6, "minute": 59}
